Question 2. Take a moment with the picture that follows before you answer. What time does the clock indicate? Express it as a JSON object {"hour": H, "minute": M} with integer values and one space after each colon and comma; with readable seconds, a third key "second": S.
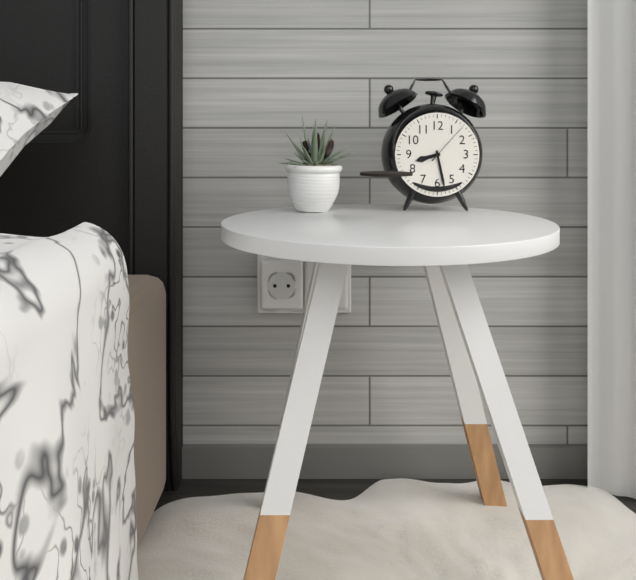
{"hour": 8, "minute": 28}
